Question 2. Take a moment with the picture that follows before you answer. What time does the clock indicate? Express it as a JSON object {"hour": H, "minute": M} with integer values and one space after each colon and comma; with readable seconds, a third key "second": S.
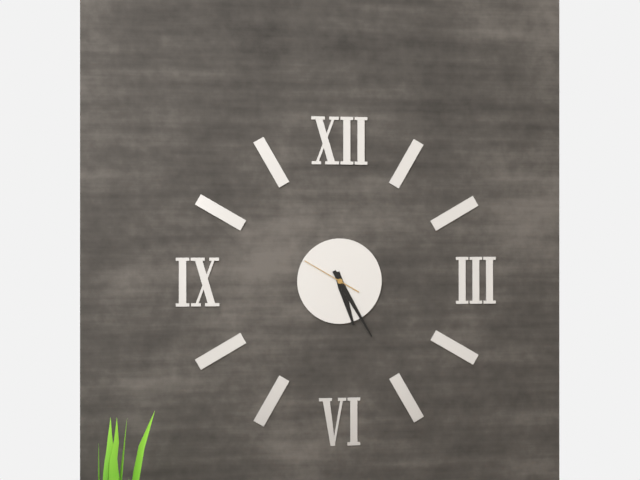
{"hour": 5, "minute": 25, "second": 50}
